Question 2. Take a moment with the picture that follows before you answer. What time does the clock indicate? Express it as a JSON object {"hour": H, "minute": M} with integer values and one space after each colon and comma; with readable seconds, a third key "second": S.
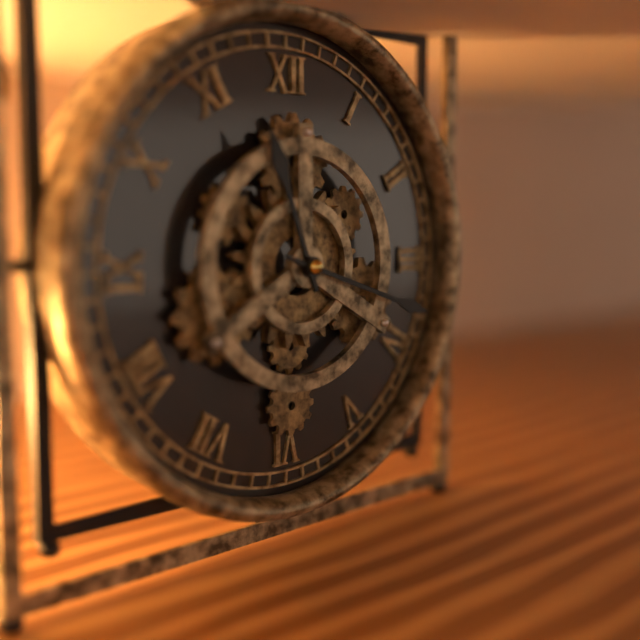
{"hour": 11, "minute": 18}
